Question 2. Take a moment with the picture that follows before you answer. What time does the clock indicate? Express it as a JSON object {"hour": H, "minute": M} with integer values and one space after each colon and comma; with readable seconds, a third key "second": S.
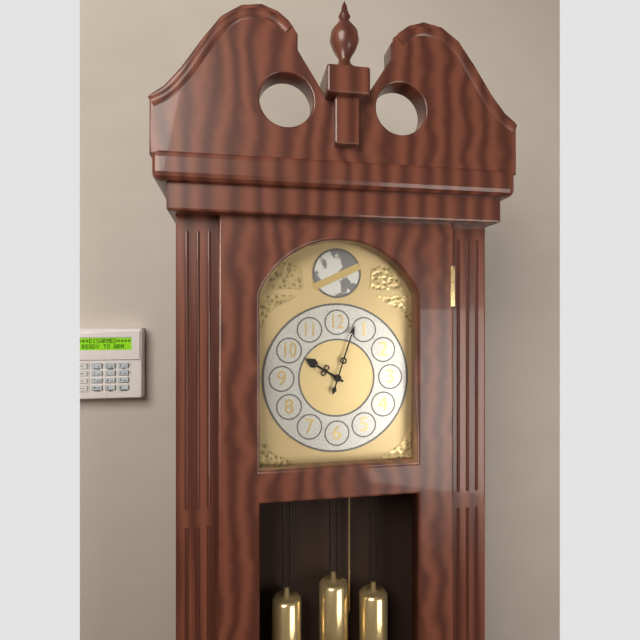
{"hour": 10, "minute": 3}
